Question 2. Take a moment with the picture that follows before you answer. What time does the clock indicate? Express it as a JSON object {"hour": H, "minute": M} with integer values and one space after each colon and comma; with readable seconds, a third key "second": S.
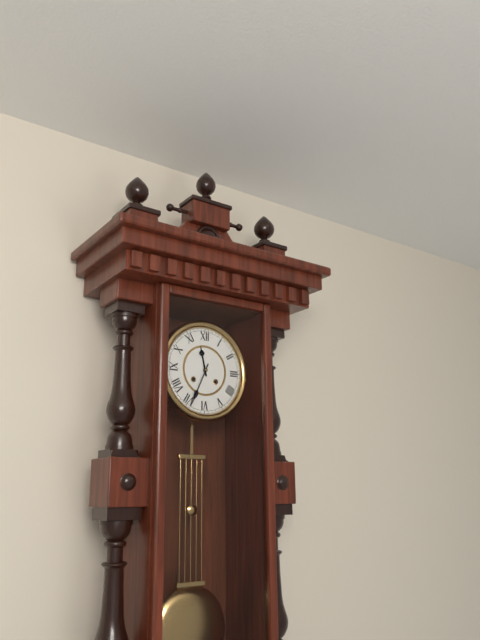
{"hour": 11, "minute": 34}
